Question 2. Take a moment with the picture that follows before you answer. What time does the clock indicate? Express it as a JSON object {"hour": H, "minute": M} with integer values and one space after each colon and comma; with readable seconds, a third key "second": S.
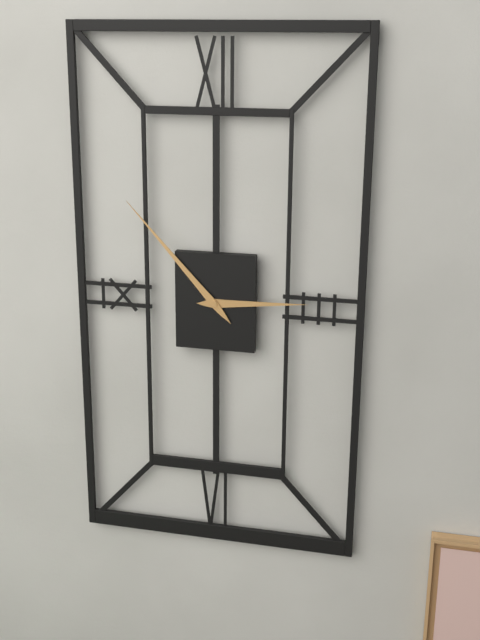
{"hour": 2, "minute": 53}
